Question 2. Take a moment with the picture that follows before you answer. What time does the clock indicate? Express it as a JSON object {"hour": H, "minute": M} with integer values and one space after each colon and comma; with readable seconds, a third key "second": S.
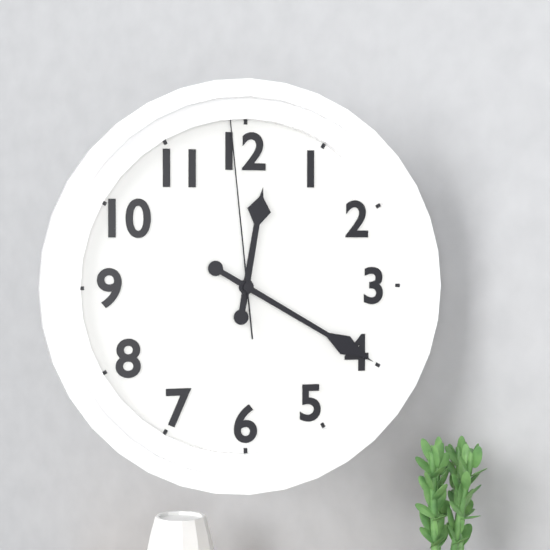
{"hour": 12, "minute": 20, "second": 59}
